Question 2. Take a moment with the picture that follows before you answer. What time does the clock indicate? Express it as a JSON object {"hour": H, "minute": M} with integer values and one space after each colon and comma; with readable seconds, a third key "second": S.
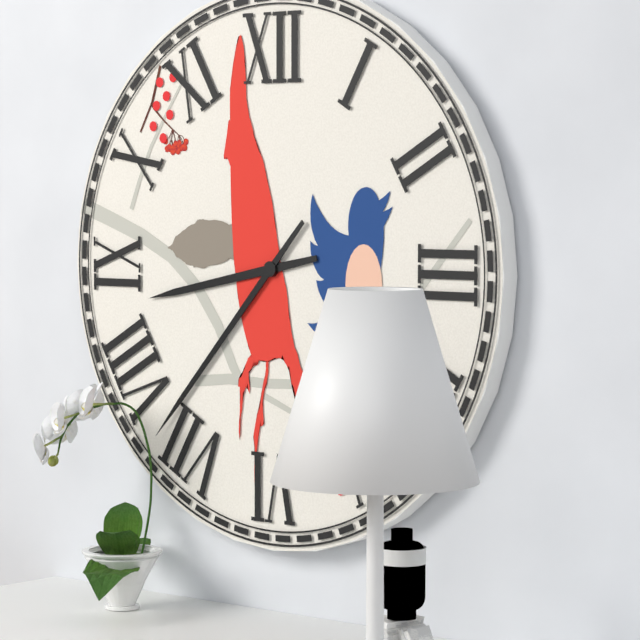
{"hour": 8, "minute": 37}
